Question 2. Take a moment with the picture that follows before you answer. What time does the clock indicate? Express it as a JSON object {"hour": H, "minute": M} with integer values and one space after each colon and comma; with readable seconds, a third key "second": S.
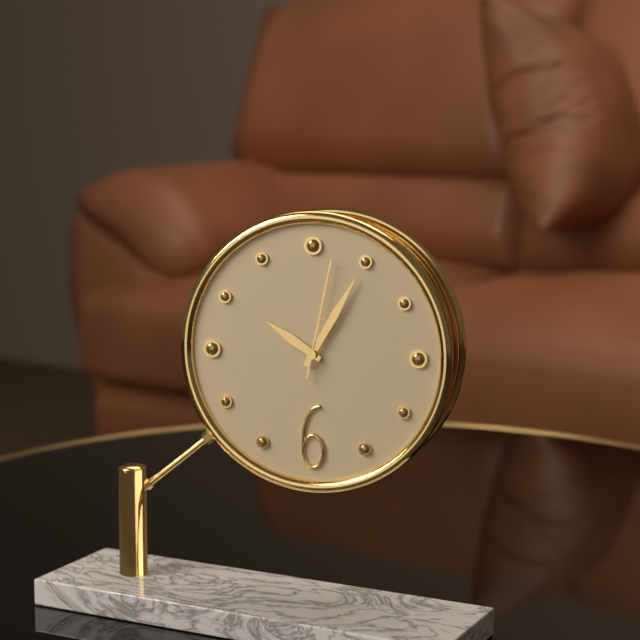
{"hour": 10, "minute": 5, "second": 2}
